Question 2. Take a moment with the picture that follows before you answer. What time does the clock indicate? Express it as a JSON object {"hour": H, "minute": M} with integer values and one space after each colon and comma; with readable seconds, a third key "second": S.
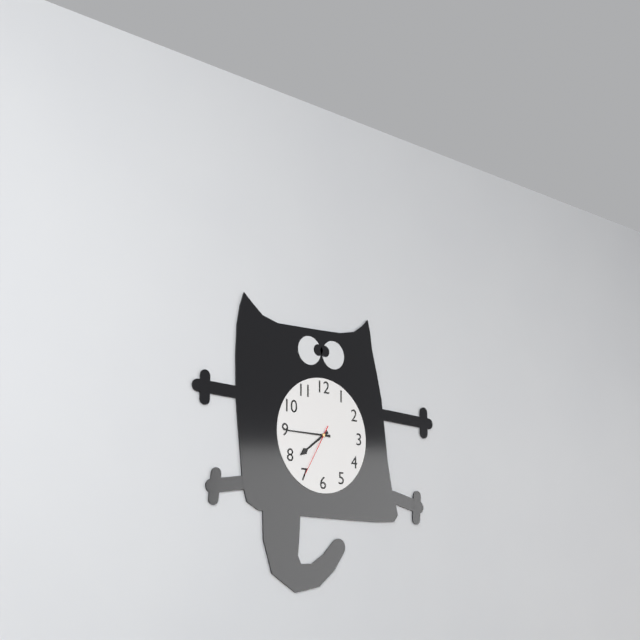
{"hour": 7, "minute": 45, "second": 35}
